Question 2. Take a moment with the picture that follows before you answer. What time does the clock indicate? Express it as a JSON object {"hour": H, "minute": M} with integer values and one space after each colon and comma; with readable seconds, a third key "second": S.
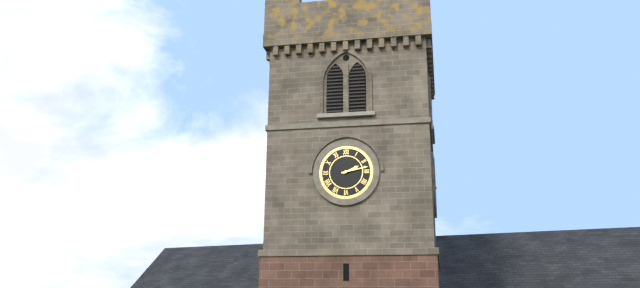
{"hour": 2, "minute": 13}
